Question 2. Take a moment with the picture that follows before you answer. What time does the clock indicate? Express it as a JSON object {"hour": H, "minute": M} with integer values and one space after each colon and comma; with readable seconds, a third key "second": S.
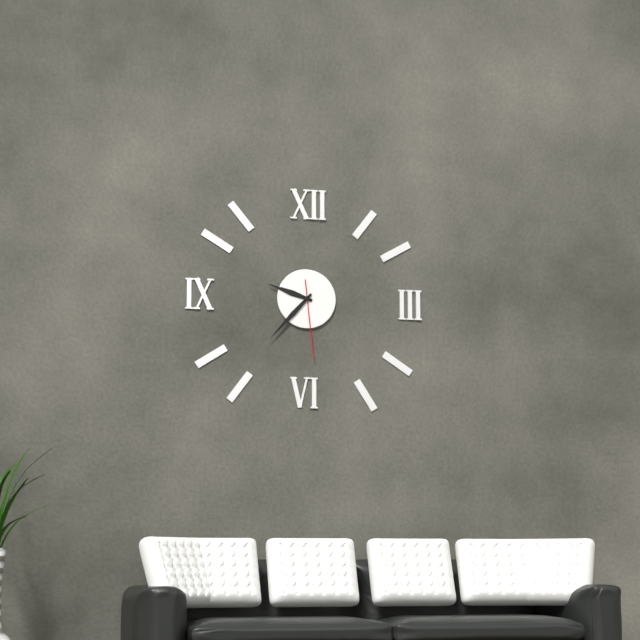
{"hour": 9, "minute": 37, "second": 29}
